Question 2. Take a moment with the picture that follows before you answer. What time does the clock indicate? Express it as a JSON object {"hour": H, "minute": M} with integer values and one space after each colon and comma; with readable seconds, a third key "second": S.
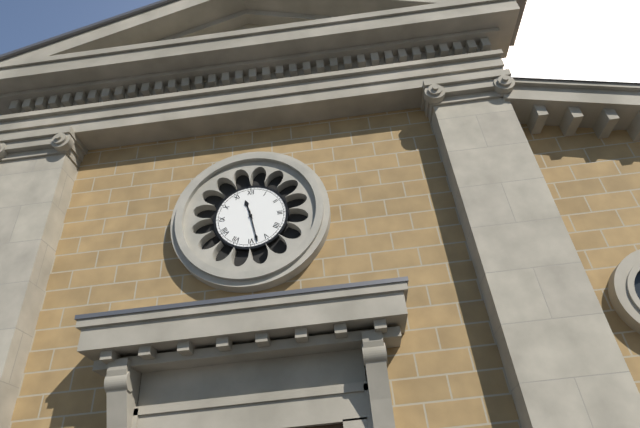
{"hour": 11, "minute": 28}
